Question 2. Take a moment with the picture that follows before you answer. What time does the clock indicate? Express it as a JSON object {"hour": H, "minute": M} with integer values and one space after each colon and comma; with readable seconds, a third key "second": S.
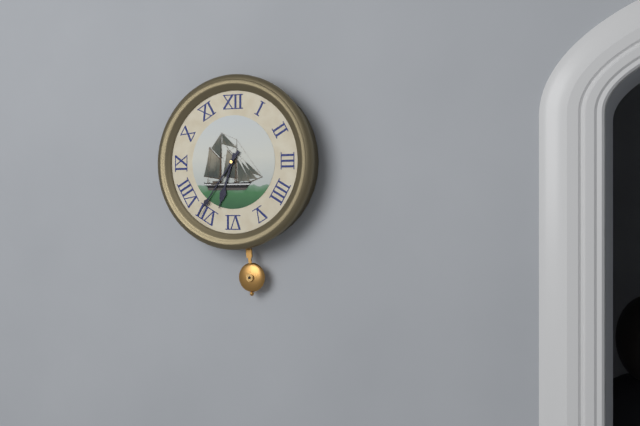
{"hour": 6, "minute": 36}
